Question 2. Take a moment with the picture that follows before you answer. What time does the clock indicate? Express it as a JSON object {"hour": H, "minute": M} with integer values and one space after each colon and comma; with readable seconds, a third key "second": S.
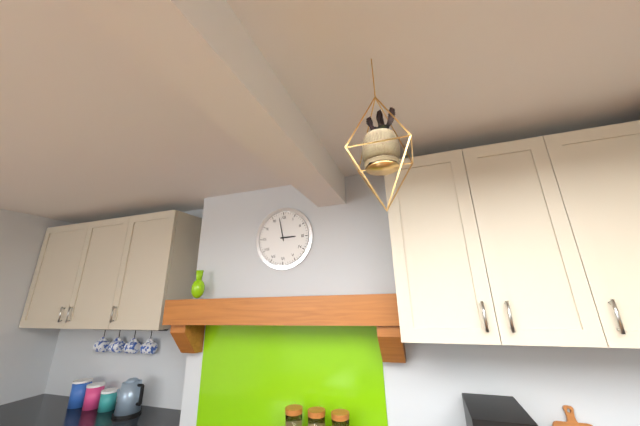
{"hour": 2, "minute": 58}
